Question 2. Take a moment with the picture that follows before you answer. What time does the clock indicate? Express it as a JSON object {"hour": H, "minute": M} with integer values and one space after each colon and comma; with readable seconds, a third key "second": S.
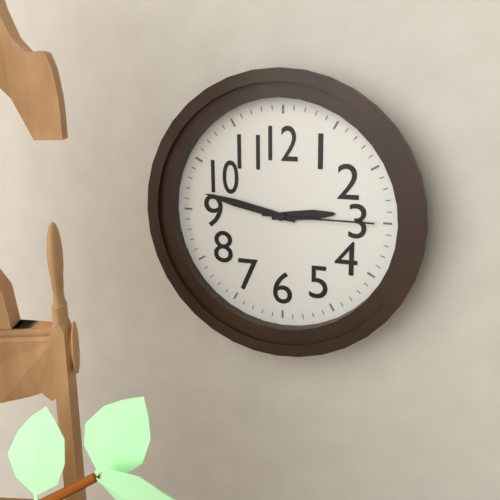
{"hour": 2, "minute": 47, "second": 15}
